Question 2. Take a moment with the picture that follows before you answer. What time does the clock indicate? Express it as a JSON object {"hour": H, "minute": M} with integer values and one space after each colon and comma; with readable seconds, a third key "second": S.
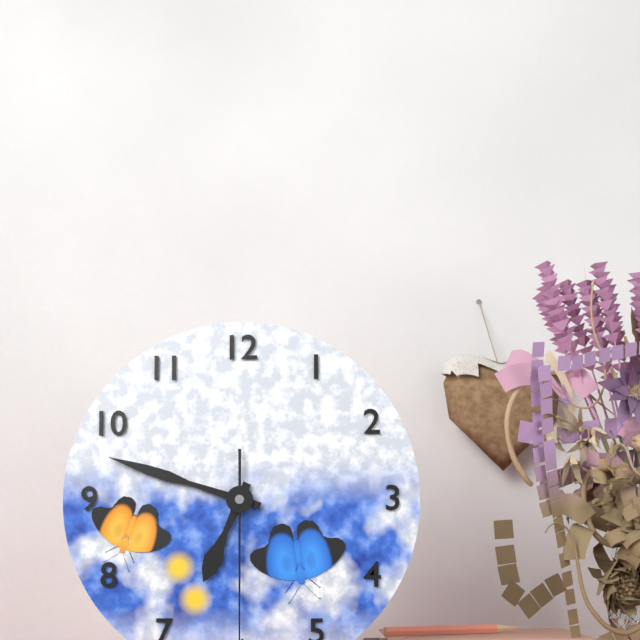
{"hour": 6, "minute": 48}
